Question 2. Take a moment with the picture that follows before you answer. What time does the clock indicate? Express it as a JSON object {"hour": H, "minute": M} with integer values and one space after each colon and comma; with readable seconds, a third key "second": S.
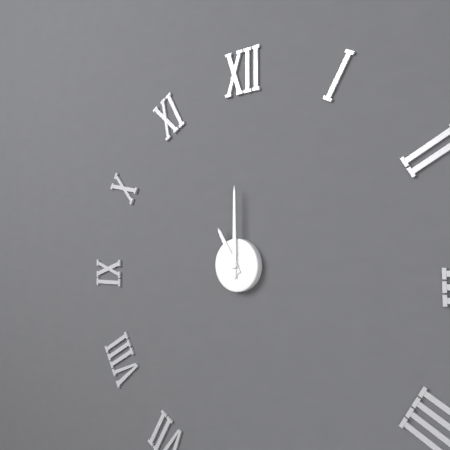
{"hour": 11, "minute": 0}
